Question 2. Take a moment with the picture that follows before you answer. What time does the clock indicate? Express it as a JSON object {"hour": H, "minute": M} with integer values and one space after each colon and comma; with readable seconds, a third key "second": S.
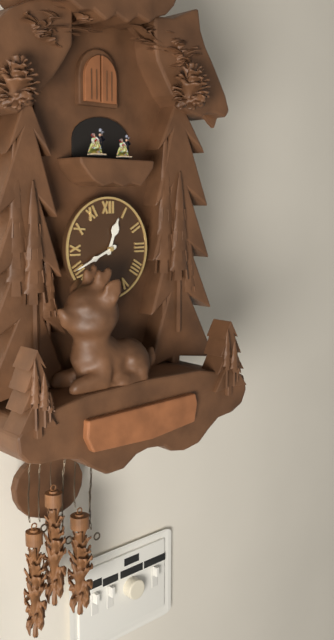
{"hour": 12, "minute": 41}
